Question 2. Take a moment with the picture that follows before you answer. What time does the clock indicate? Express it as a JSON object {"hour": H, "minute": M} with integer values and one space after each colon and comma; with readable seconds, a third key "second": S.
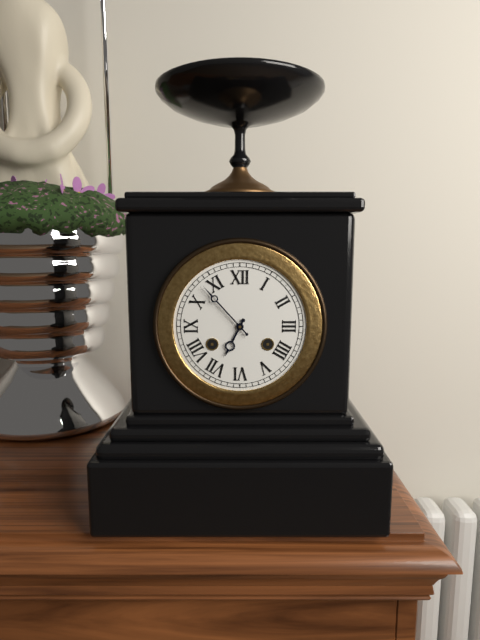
{"hour": 6, "minute": 53}
